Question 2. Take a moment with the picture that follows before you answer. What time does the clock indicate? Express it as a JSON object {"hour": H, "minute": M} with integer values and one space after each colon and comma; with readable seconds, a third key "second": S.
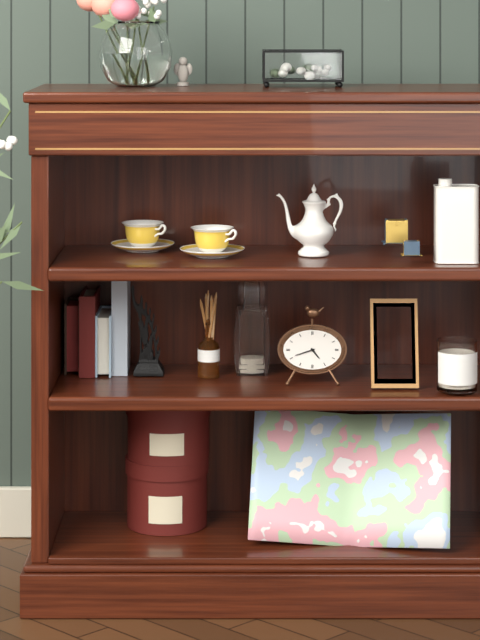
{"hour": 4, "minute": 42}
